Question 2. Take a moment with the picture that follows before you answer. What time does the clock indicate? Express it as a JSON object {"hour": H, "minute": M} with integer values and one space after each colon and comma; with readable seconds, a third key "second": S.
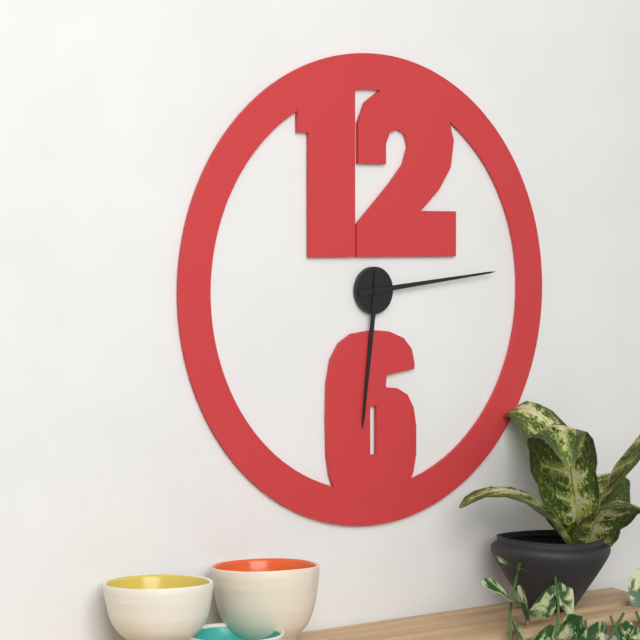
{"hour": 6, "minute": 14}
